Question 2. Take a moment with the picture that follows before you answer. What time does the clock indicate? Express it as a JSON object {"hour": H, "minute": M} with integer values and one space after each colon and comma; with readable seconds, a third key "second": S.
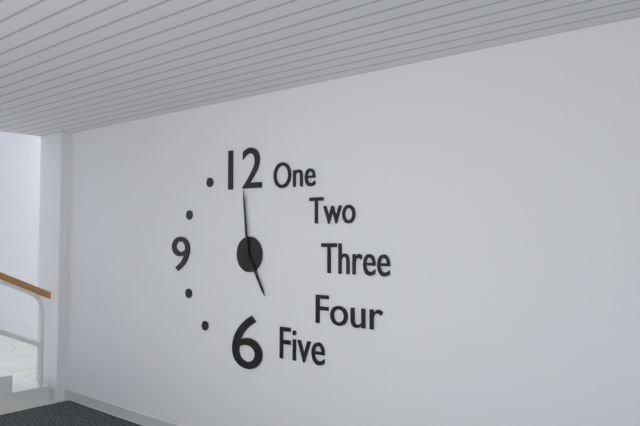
{"hour": 4, "minute": 59}
